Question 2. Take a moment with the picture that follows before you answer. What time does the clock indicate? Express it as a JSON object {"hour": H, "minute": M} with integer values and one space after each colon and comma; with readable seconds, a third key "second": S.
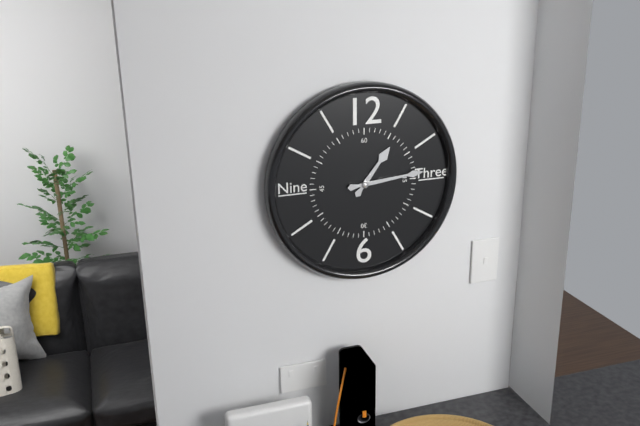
{"hour": 1, "minute": 14}
